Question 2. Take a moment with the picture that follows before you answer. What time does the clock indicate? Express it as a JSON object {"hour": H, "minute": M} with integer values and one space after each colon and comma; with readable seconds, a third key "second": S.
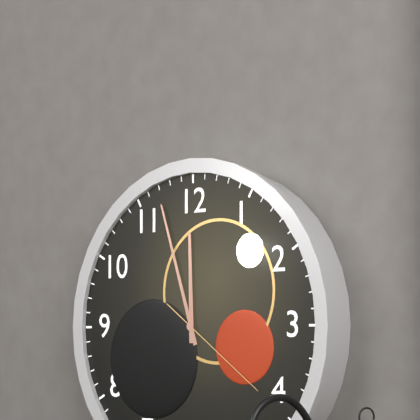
{"hour": 11, "minute": 57, "second": 21}
